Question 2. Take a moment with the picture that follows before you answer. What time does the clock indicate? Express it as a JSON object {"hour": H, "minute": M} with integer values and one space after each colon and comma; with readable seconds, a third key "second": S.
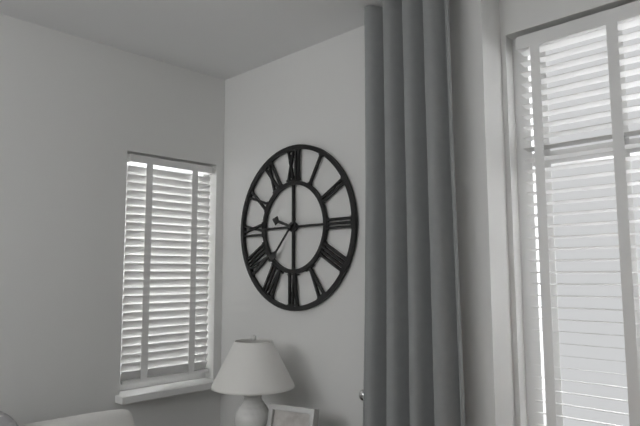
{"hour": 9, "minute": 37}
